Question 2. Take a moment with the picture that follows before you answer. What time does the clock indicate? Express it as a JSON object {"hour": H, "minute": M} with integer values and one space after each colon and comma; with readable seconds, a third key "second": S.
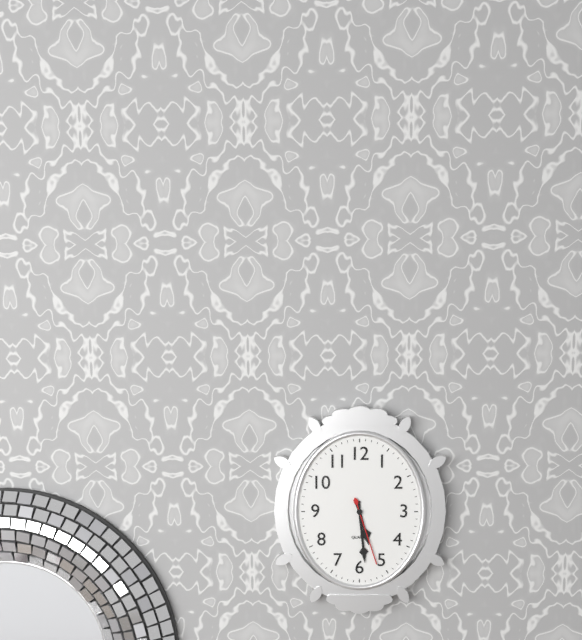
{"hour": 5, "minute": 29, "second": 27}
